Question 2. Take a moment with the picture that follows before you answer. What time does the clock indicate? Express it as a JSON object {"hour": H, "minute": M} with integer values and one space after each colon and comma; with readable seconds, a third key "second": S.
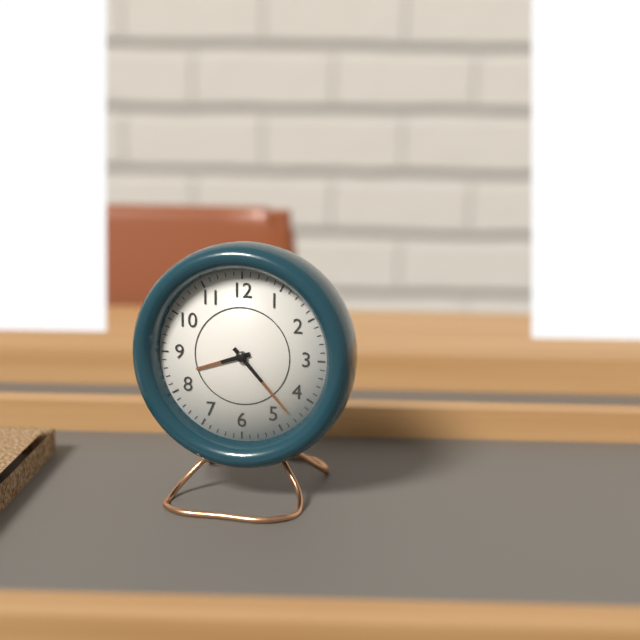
{"hour": 8, "minute": 23}
